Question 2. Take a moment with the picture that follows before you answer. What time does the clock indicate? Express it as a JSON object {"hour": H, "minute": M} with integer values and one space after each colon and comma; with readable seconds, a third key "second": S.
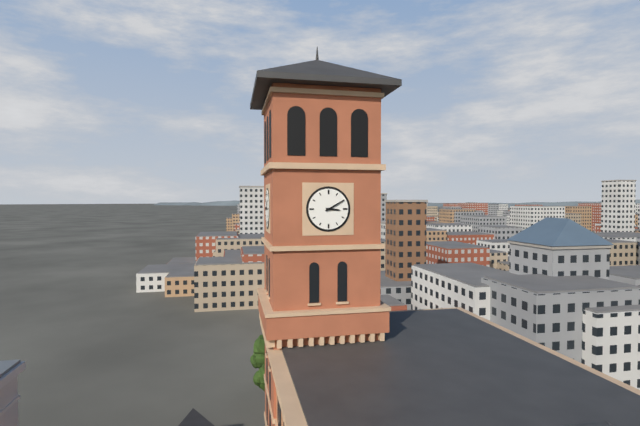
{"hour": 3, "minute": 10}
